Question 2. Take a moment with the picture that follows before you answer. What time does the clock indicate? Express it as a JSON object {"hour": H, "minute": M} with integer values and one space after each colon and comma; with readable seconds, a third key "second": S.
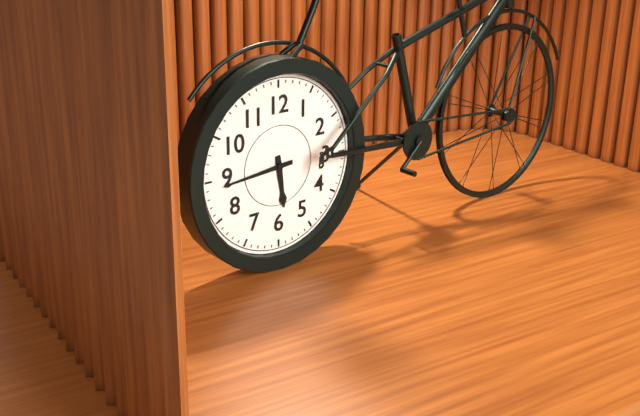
{"hour": 5, "minute": 44}
